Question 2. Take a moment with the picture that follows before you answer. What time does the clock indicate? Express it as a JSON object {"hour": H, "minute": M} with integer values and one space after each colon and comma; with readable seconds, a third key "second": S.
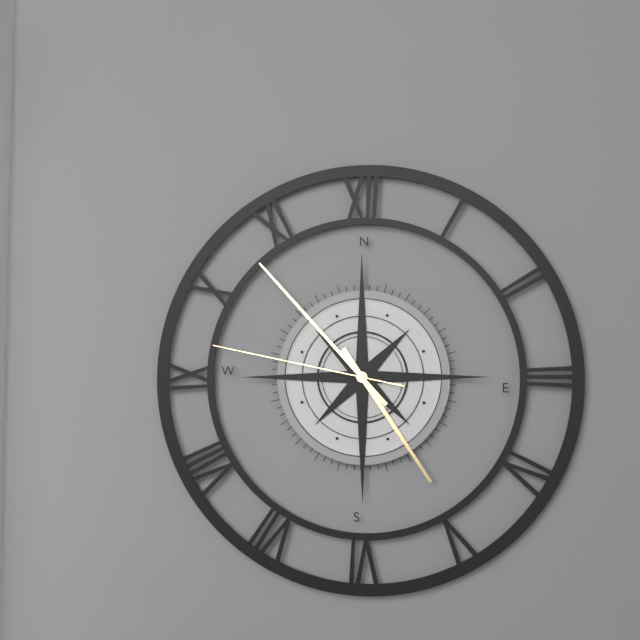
{"hour": 4, "minute": 53, "second": 47}
